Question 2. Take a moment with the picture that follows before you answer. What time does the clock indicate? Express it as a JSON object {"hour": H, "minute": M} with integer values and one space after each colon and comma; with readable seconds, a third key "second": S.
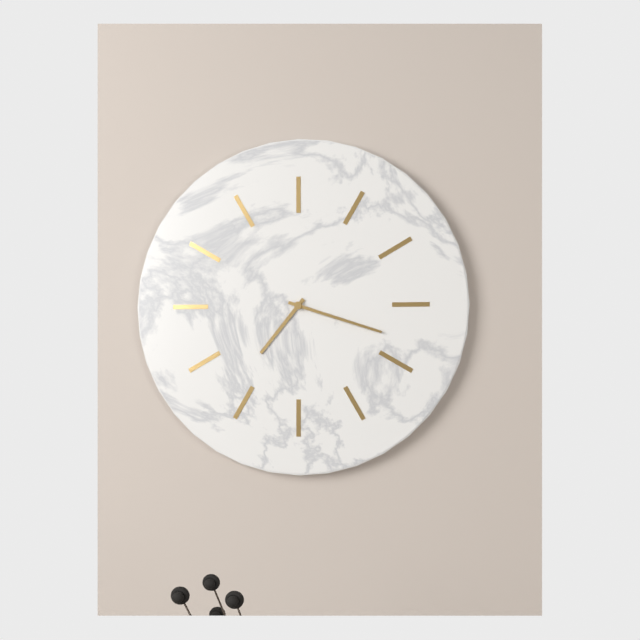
{"hour": 7, "minute": 18}
